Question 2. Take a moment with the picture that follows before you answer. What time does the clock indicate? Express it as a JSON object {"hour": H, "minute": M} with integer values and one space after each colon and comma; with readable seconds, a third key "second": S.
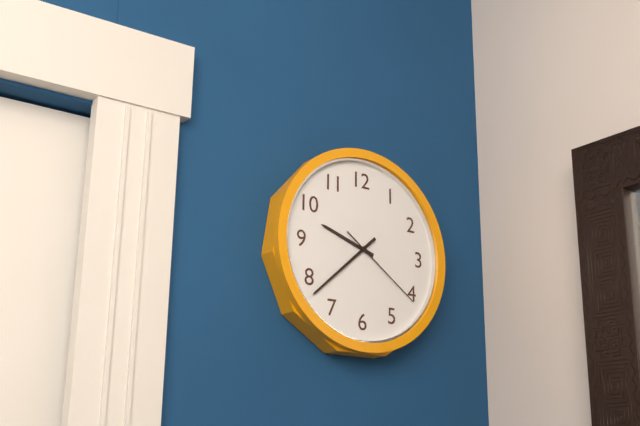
{"hour": 9, "minute": 38, "second": 21}
